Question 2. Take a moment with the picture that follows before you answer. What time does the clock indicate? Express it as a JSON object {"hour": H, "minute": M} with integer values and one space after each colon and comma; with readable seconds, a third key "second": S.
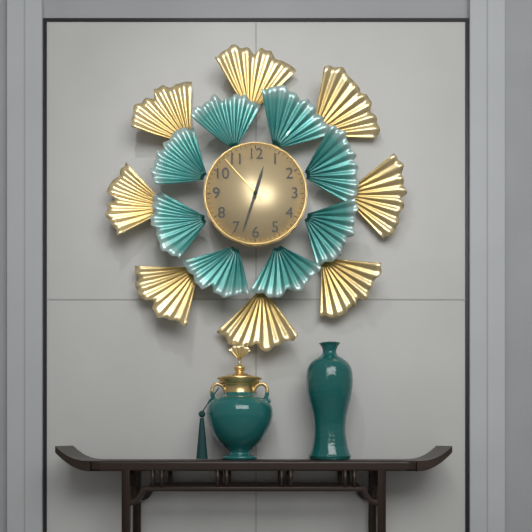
{"hour": 12, "minute": 33, "second": 53}
